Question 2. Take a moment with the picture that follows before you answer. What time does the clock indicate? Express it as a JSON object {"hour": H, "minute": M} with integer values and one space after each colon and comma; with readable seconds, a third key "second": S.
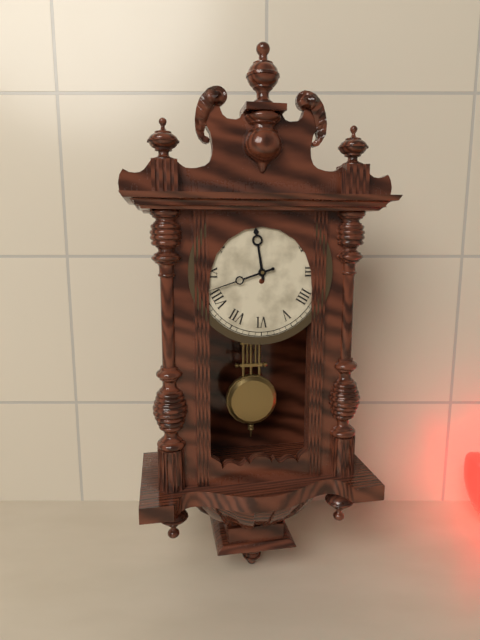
{"hour": 11, "minute": 42}
